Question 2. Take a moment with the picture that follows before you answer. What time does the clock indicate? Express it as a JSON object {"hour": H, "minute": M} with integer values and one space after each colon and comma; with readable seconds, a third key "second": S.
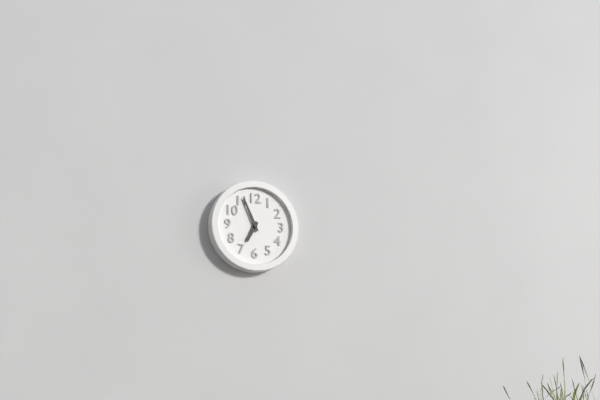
{"hour": 6, "minute": 56}
